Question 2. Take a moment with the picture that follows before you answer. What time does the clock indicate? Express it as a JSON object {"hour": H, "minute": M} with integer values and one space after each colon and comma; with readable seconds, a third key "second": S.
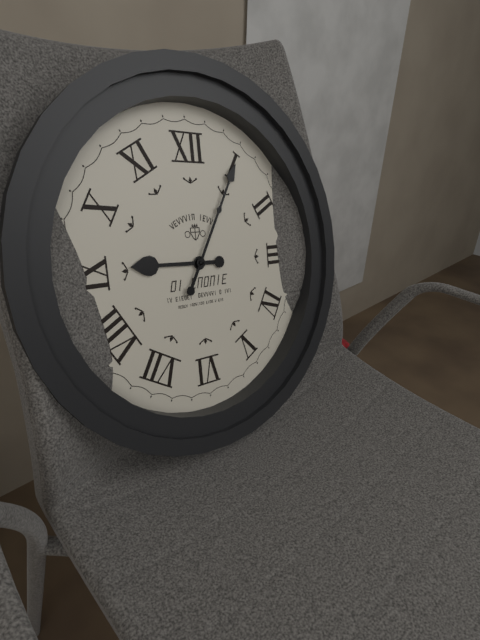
{"hour": 9, "minute": 5}
